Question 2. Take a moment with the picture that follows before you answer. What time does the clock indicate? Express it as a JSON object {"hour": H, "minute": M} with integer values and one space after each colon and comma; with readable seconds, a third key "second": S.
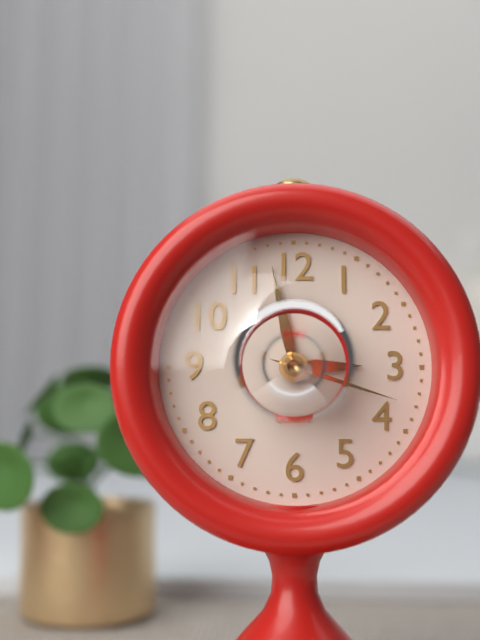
{"hour": 2, "minute": 58, "second": 18}
